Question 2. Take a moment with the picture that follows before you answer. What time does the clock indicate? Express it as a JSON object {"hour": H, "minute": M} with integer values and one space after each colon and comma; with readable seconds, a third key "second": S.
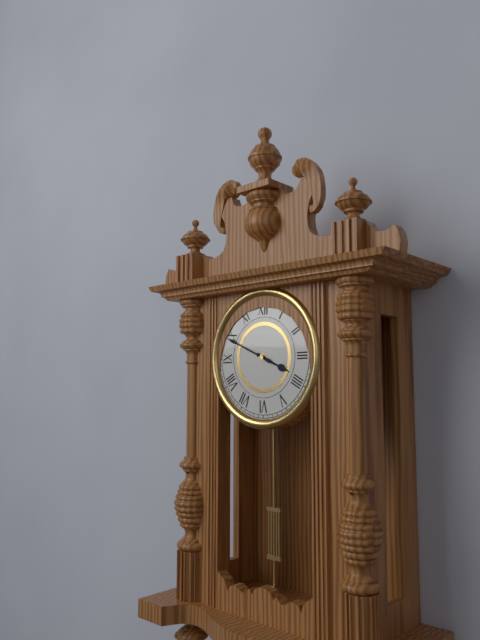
{"hour": 3, "minute": 49}
